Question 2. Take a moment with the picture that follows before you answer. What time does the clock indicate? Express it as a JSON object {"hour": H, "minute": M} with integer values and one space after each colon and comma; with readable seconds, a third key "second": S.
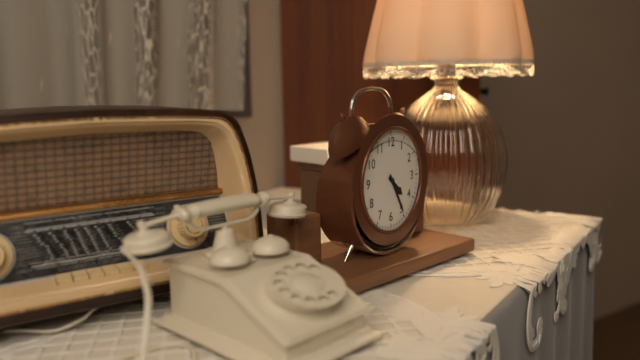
{"hour": 4, "minute": 25}
